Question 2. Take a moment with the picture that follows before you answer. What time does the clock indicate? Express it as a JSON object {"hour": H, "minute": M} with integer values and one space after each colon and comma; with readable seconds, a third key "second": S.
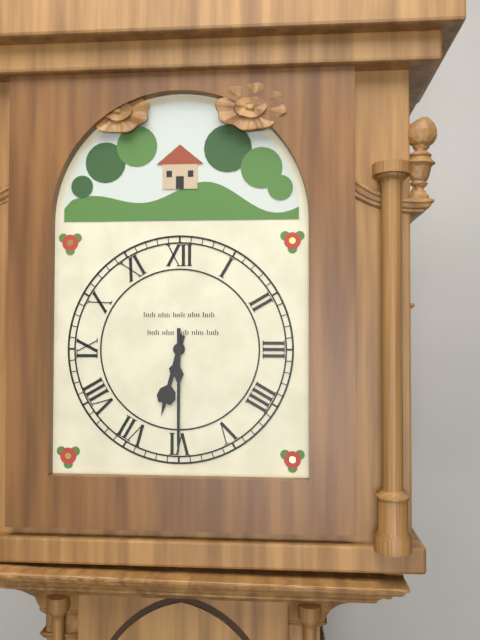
{"hour": 6, "minute": 30}
